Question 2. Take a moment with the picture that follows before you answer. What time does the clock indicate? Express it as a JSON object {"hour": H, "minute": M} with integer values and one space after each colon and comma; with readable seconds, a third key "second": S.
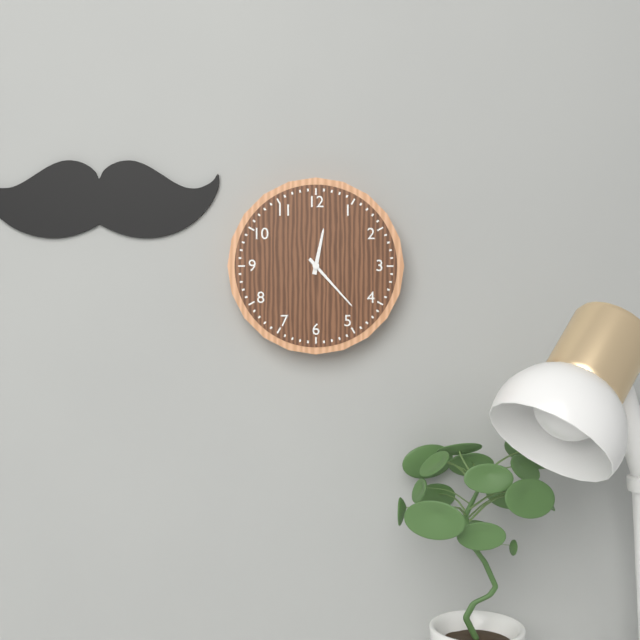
{"hour": 12, "minute": 23}
